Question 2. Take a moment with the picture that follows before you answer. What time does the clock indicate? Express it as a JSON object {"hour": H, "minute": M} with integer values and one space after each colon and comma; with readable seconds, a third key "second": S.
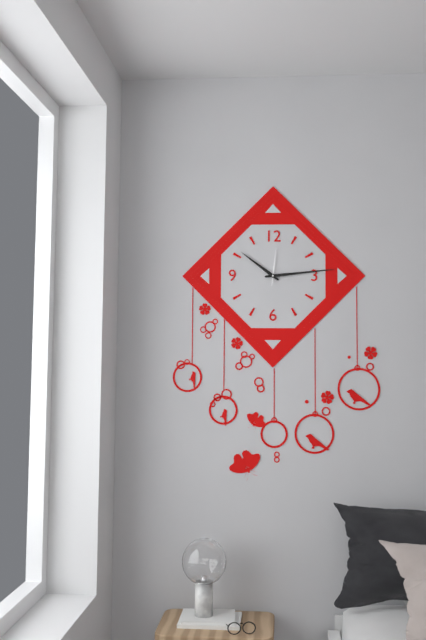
{"hour": 10, "minute": 14}
